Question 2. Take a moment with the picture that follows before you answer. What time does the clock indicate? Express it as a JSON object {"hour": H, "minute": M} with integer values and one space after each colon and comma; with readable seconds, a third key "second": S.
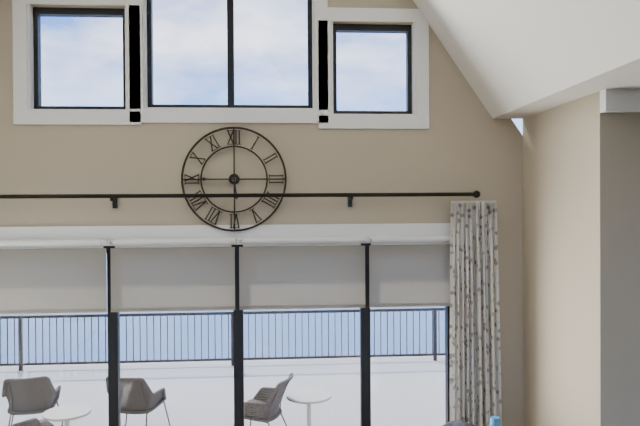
{"hour": 5, "minute": 45}
